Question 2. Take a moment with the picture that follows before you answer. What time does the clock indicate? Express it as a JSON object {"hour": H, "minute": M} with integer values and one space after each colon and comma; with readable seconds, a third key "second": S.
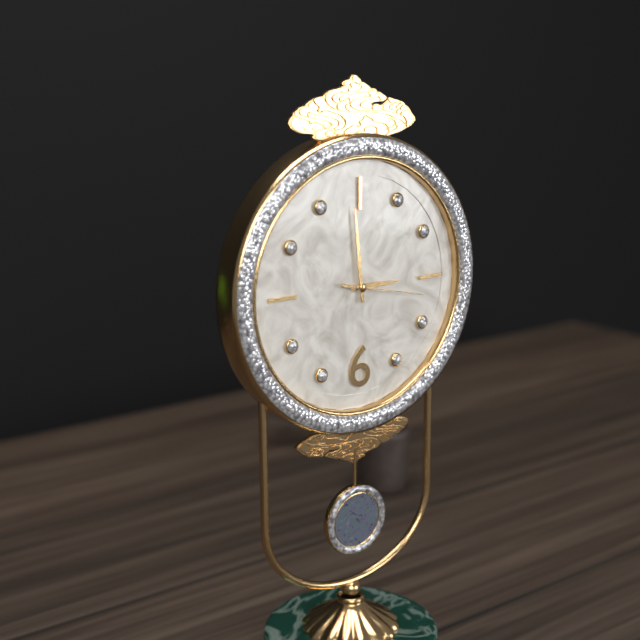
{"hour": 2, "minute": 59, "second": 17}
